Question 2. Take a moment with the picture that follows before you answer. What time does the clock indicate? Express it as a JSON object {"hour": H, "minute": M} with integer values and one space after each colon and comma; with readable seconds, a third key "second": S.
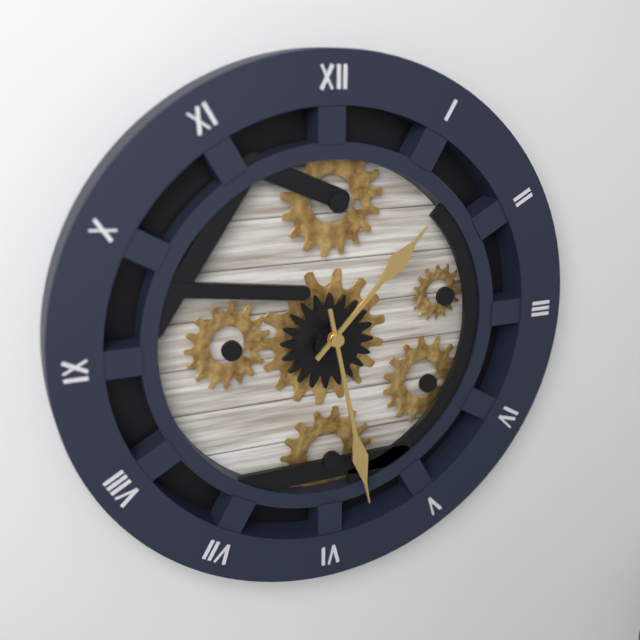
{"hour": 1, "minute": 28}
